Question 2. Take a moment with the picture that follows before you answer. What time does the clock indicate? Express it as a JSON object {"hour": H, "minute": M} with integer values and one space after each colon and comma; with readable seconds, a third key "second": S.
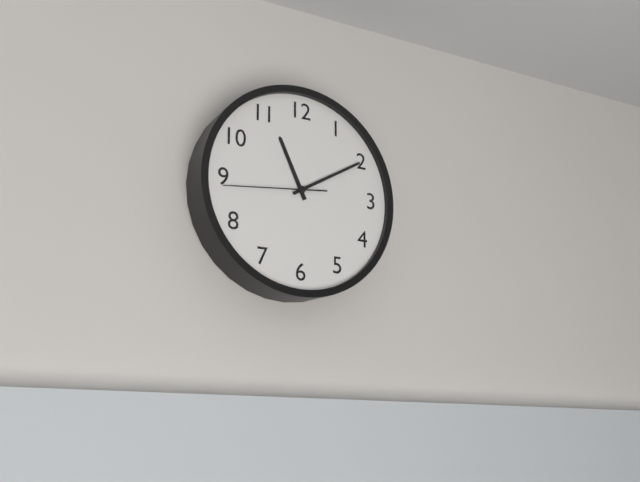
{"hour": 11, "minute": 10, "second": 44}
